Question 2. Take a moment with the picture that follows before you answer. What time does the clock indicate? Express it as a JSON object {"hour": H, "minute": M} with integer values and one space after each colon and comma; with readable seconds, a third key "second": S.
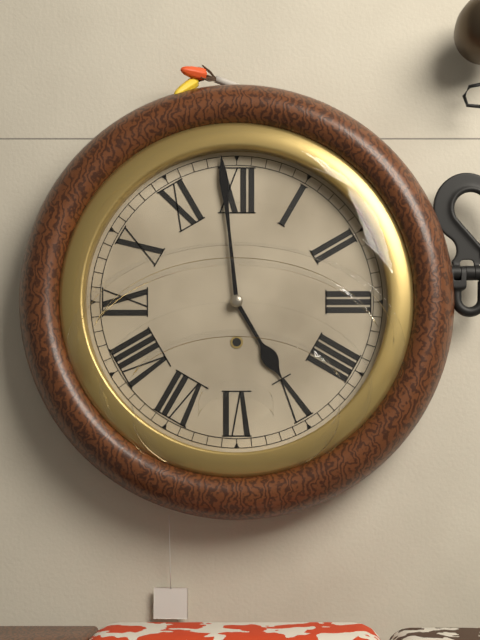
{"hour": 4, "minute": 59}
